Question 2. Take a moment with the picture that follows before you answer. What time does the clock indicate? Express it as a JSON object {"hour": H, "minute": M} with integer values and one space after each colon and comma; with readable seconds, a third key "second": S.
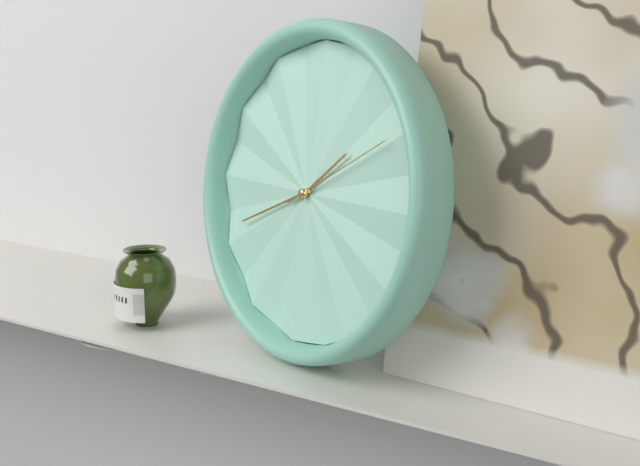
{"hour": 1, "minute": 41, "second": 10}
